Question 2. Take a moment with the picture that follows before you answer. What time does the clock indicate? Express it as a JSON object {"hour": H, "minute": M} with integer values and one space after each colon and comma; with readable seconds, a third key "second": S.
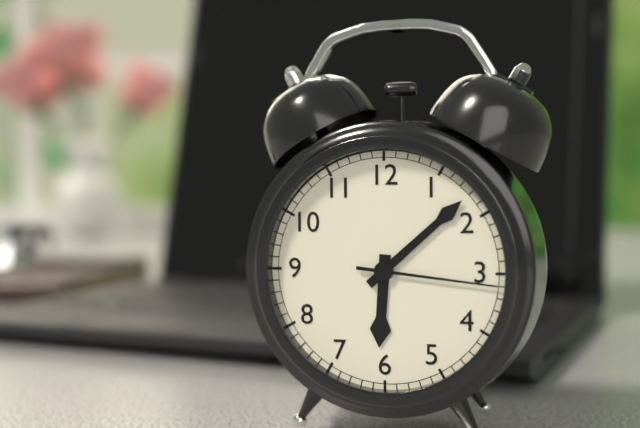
{"hour": 6, "minute": 8, "second": 16}
